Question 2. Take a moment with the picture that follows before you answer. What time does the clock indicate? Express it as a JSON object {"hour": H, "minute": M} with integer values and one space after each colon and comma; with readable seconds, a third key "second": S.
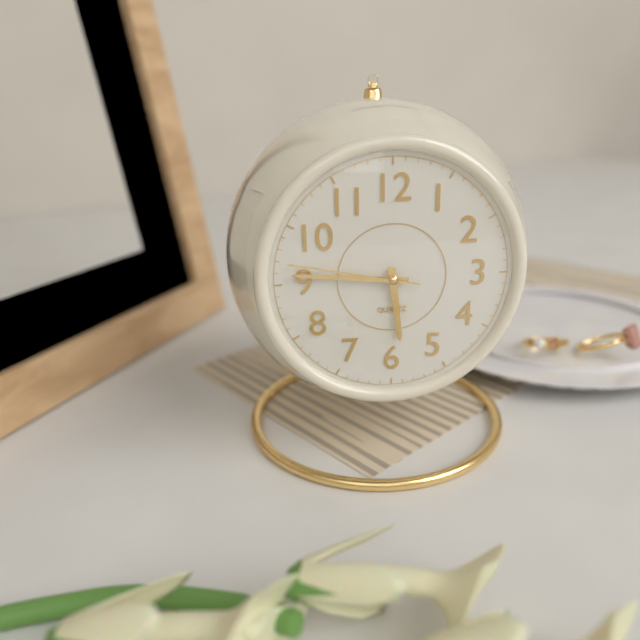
{"hour": 5, "minute": 46, "second": 47}
